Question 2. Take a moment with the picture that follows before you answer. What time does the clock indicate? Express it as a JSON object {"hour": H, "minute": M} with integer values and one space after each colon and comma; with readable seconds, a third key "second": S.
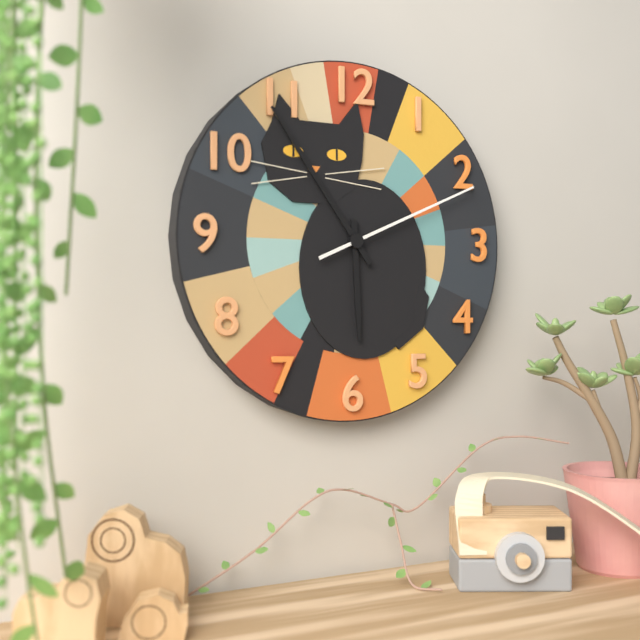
{"hour": 5, "minute": 54, "second": 11}
